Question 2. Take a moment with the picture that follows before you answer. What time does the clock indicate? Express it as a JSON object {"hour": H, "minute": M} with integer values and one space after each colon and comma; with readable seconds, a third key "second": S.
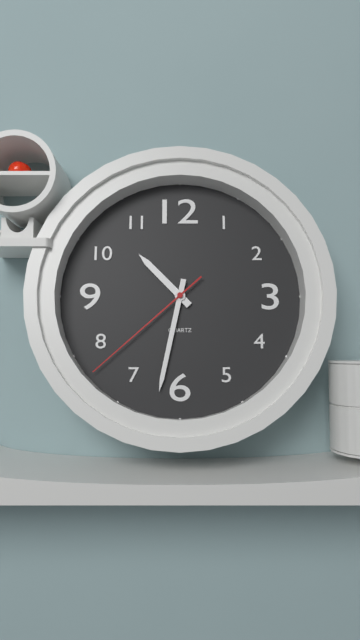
{"hour": 10, "minute": 32, "second": 38}
